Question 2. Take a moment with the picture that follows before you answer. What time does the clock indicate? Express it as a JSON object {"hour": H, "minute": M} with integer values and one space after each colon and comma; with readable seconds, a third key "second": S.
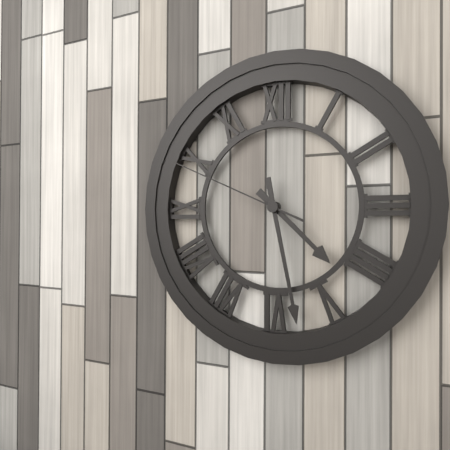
{"hour": 4, "minute": 28, "second": 49}
